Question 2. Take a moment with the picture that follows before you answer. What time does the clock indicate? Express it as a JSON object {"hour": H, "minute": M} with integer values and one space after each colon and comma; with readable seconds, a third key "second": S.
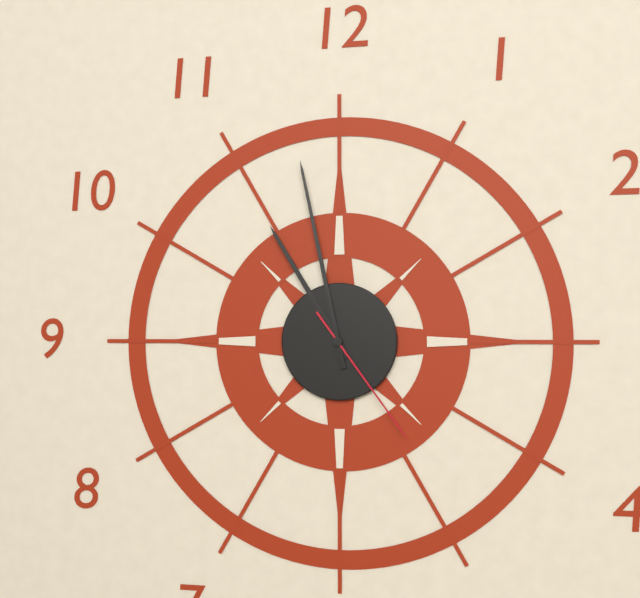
{"hour": 10, "minute": 58, "second": 24}
